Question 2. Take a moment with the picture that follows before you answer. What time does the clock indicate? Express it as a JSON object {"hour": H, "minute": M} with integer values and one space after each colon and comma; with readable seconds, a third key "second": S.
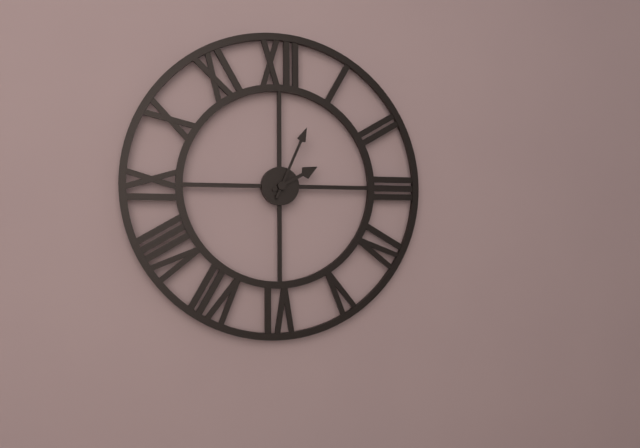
{"hour": 2, "minute": 4}
